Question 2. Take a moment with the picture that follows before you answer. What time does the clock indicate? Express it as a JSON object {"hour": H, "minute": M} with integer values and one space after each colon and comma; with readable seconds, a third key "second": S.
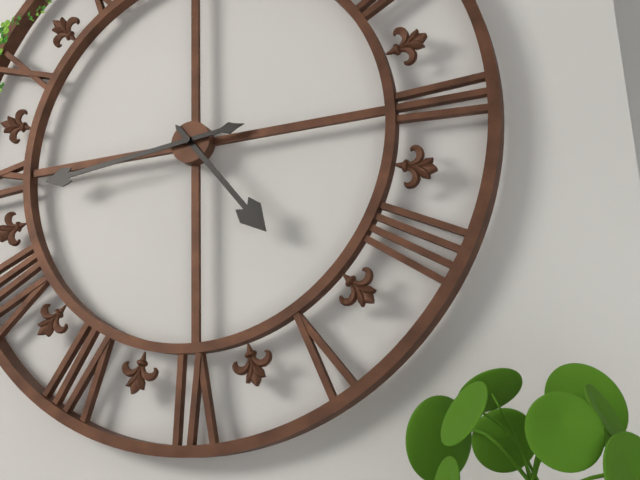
{"hour": 4, "minute": 44}
